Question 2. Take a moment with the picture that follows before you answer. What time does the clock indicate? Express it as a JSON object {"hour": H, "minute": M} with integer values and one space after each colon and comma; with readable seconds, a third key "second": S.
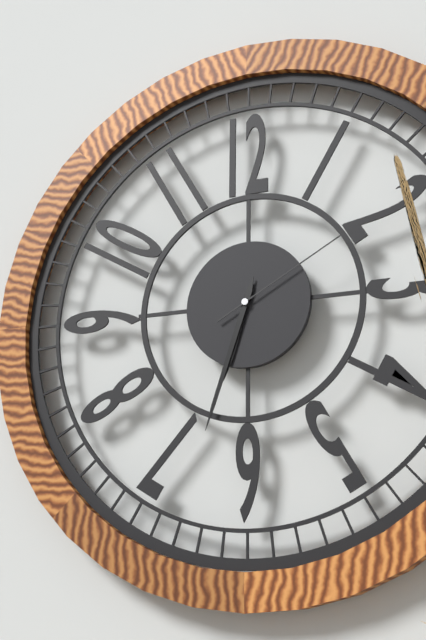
{"hour": 6, "minute": 33, "second": 10}
